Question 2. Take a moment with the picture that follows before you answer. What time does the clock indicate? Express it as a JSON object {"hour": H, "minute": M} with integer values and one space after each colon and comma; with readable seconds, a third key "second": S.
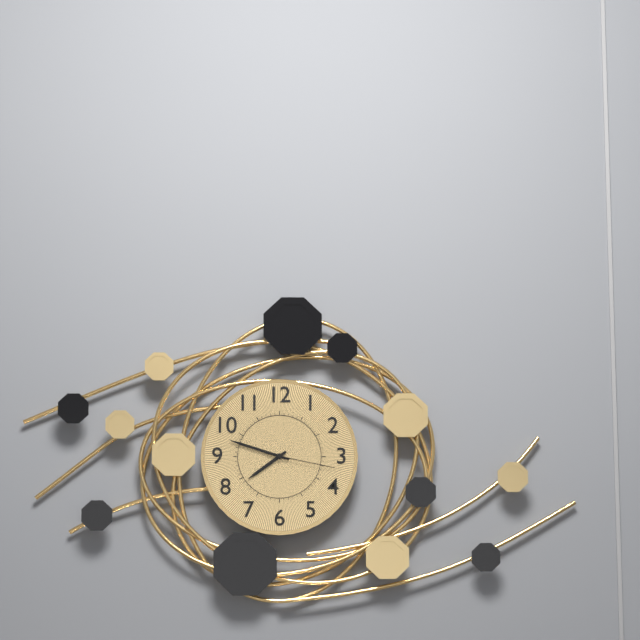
{"hour": 7, "minute": 48, "second": 17}
